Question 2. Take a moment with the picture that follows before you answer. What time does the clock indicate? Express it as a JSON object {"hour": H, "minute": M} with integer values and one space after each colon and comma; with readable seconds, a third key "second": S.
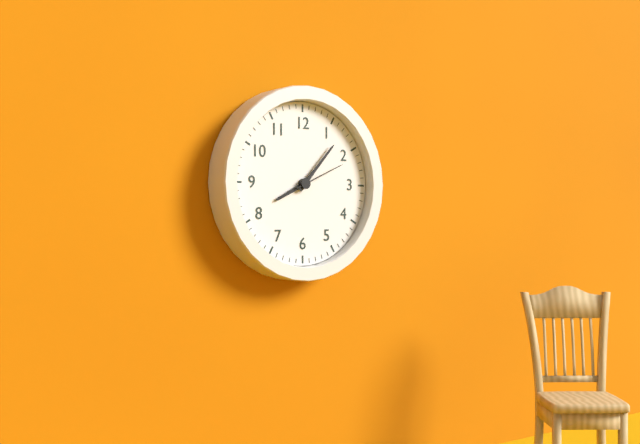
{"hour": 8, "minute": 7, "second": 11}
